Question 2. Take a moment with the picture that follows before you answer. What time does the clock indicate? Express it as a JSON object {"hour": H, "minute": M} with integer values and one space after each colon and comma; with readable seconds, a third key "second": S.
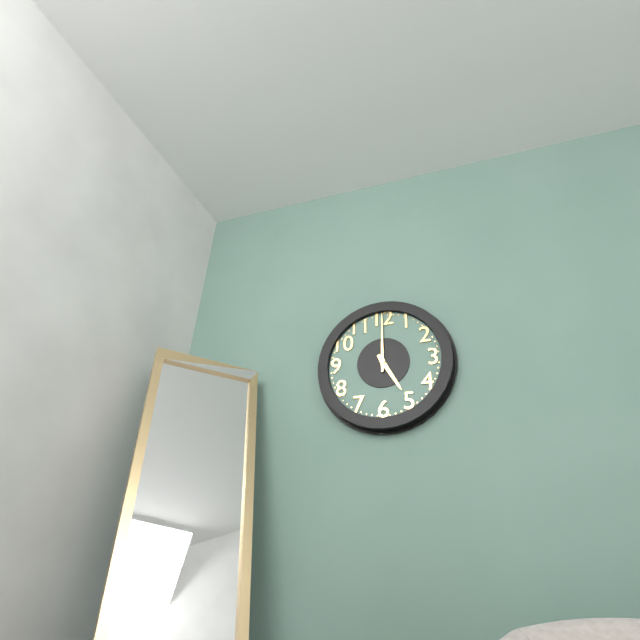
{"hour": 5, "minute": 0}
